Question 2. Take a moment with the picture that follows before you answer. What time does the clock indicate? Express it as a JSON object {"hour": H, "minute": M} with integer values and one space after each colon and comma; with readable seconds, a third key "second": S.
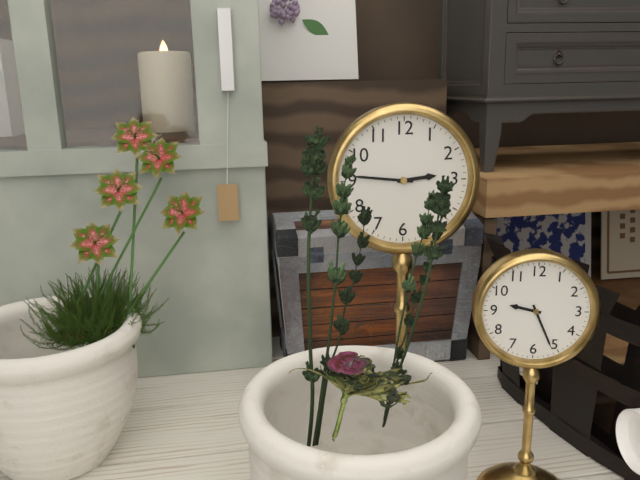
{"hour": 2, "minute": 46}
